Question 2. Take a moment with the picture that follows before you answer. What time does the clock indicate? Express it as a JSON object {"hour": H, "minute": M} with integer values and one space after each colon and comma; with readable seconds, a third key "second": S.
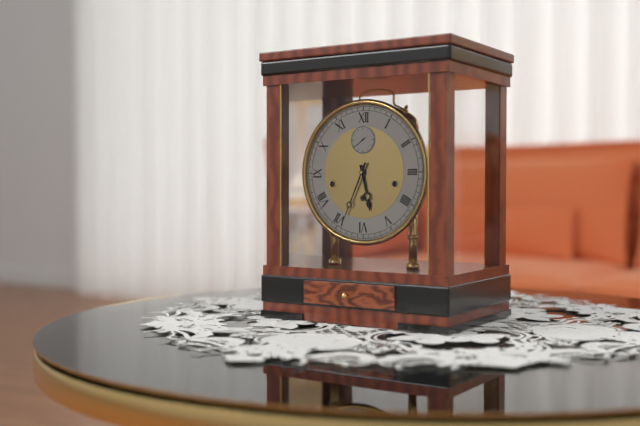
{"hour": 5, "minute": 34}
